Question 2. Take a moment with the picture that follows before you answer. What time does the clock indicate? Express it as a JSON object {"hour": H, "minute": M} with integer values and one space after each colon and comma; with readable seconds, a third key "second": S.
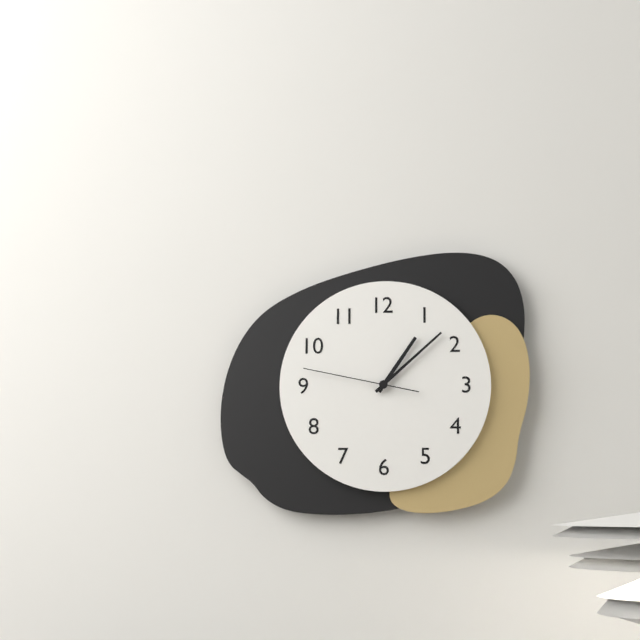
{"hour": 1, "minute": 8, "second": 47}
